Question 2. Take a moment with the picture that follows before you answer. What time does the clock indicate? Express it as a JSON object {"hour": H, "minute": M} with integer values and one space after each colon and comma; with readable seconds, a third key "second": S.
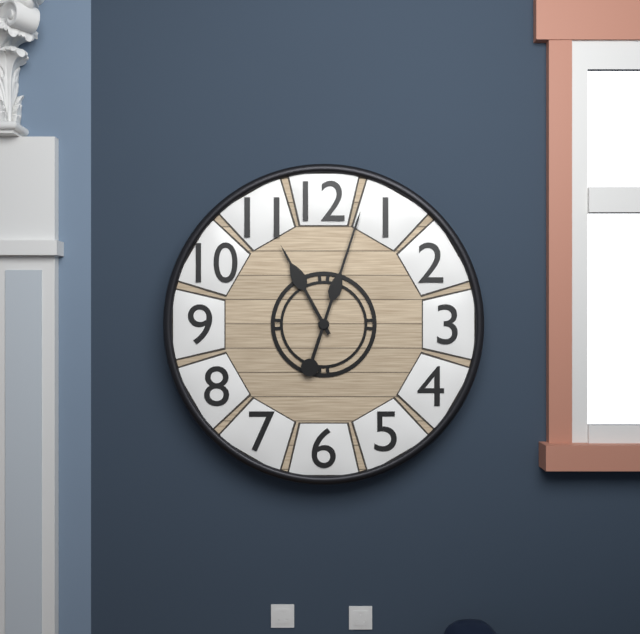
{"hour": 11, "minute": 3}
